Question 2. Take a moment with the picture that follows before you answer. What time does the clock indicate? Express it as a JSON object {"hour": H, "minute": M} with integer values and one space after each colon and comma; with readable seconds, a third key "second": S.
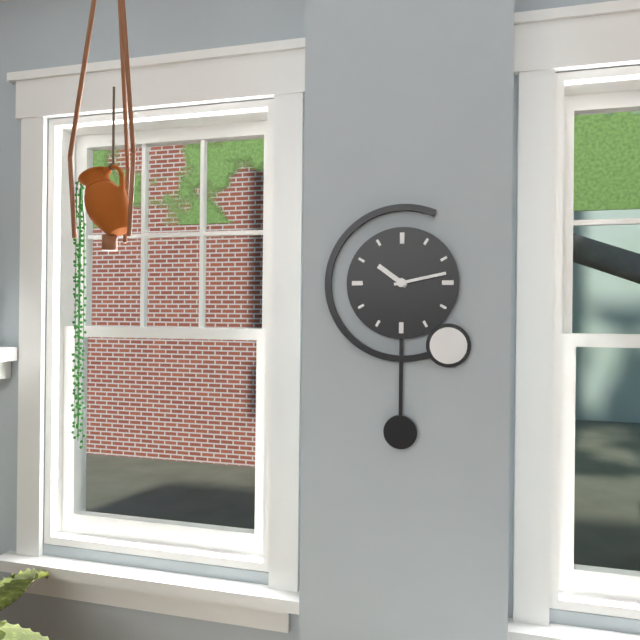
{"hour": 10, "minute": 13}
